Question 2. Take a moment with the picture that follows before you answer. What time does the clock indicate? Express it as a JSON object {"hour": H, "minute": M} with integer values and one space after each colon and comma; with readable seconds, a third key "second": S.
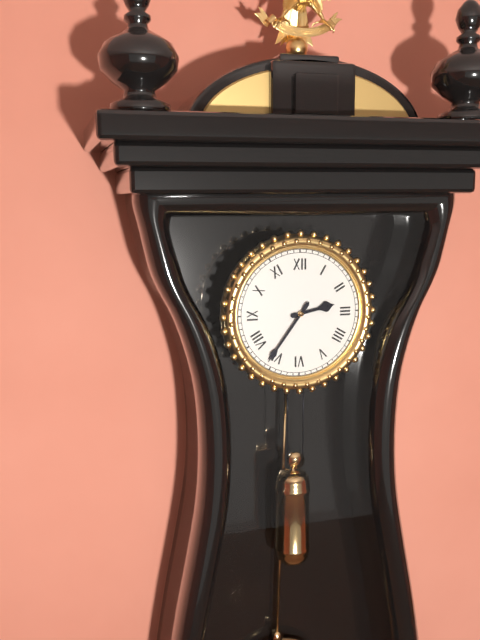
{"hour": 2, "minute": 36}
